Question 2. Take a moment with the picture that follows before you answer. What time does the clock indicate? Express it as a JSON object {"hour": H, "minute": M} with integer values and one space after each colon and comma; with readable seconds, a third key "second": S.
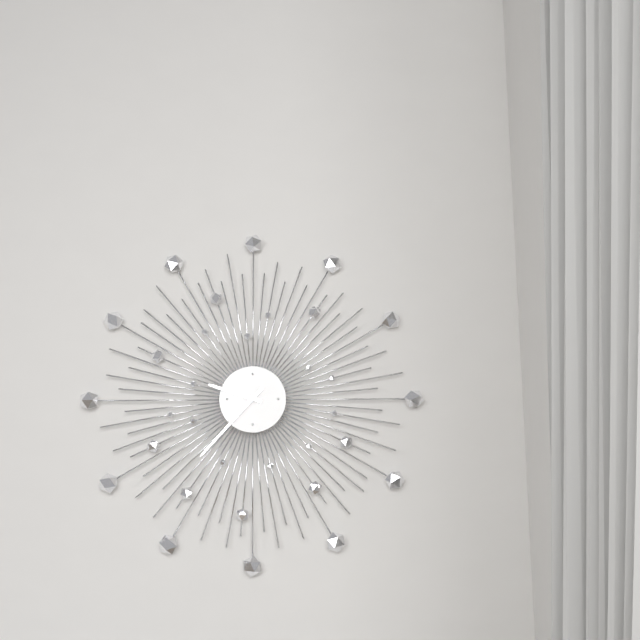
{"hour": 9, "minute": 37}
